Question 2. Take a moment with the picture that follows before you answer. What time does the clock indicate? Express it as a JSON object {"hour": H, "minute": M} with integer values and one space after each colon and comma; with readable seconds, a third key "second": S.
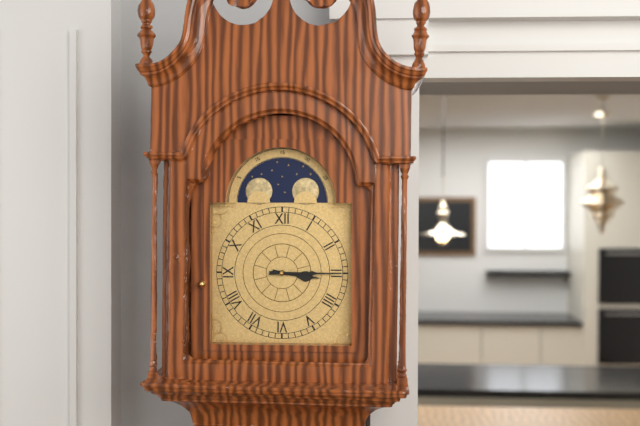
{"hour": 3, "minute": 15}
